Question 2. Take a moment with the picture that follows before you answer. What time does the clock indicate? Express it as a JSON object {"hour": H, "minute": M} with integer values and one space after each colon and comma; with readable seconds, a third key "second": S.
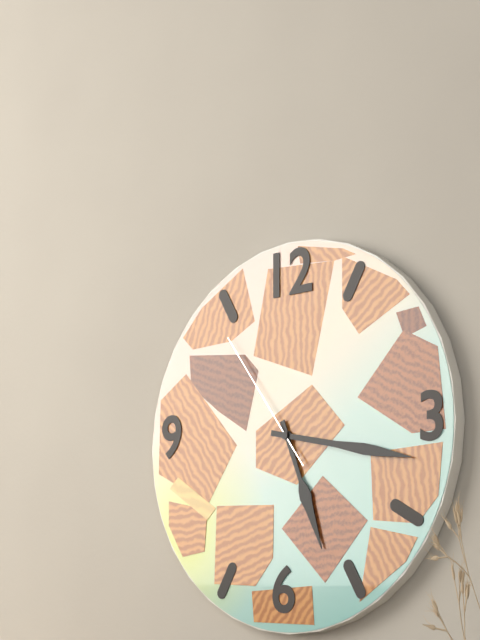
{"hour": 5, "minute": 17, "second": 54}
